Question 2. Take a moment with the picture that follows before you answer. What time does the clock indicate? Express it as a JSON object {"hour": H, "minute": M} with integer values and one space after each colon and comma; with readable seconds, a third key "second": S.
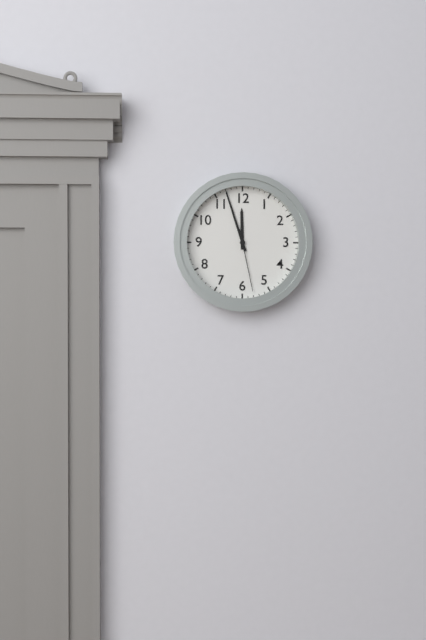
{"hour": 11, "minute": 57, "second": 28}
